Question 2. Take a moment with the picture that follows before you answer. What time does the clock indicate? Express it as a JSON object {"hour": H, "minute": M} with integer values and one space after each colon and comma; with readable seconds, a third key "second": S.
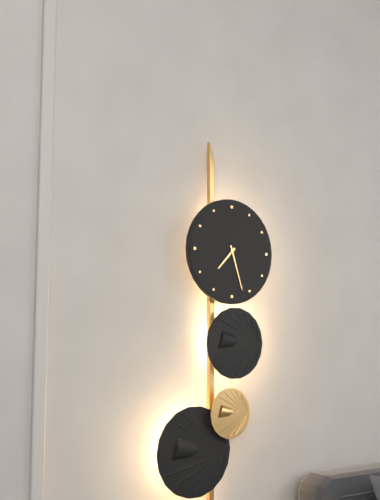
{"hour": 7, "minute": 27}
